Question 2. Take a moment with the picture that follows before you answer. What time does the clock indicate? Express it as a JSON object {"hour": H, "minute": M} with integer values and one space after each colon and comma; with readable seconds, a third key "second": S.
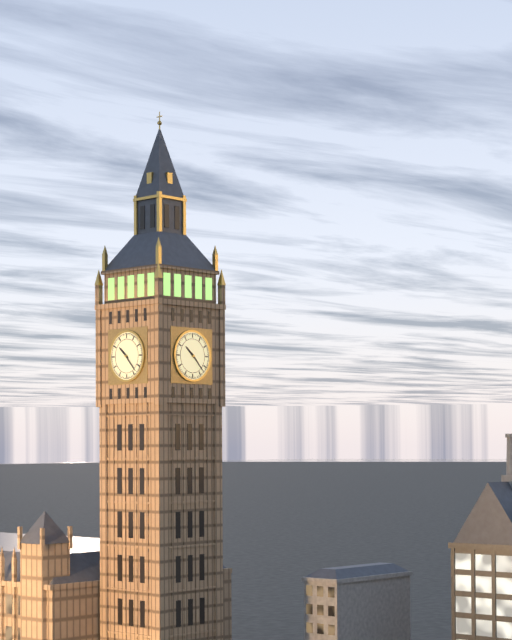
{"hour": 10, "minute": 23}
